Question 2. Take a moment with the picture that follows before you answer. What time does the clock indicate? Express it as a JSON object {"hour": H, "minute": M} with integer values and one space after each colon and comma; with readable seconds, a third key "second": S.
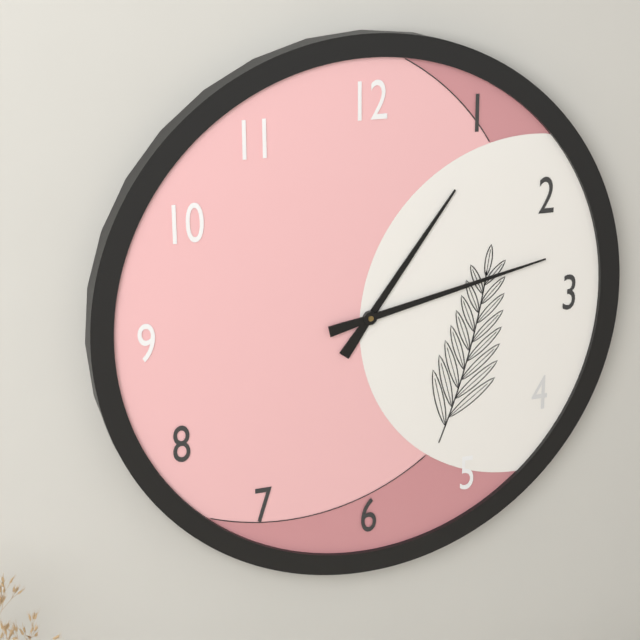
{"hour": 1, "minute": 13}
